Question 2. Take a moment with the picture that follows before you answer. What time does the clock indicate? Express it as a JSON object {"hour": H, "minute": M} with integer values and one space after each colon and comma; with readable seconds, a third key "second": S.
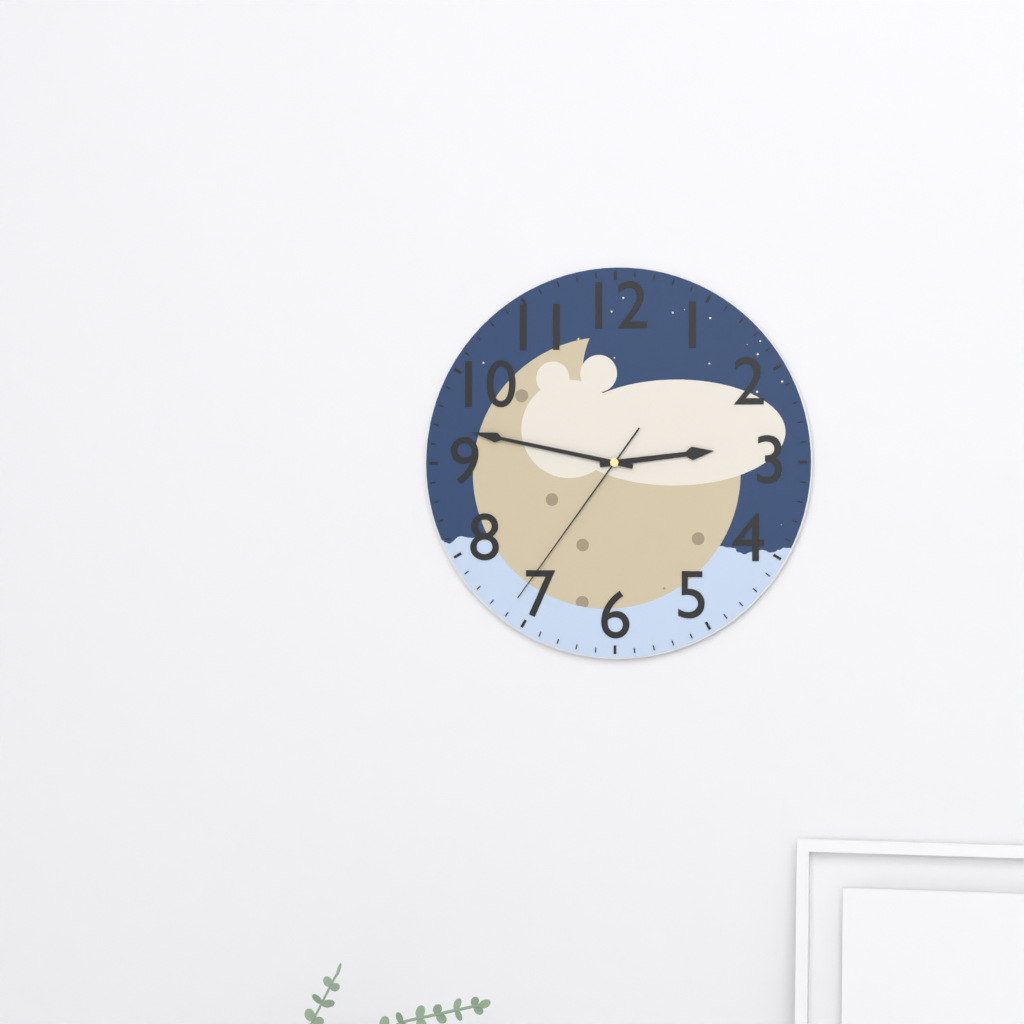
{"hour": 2, "minute": 47, "second": 36}
